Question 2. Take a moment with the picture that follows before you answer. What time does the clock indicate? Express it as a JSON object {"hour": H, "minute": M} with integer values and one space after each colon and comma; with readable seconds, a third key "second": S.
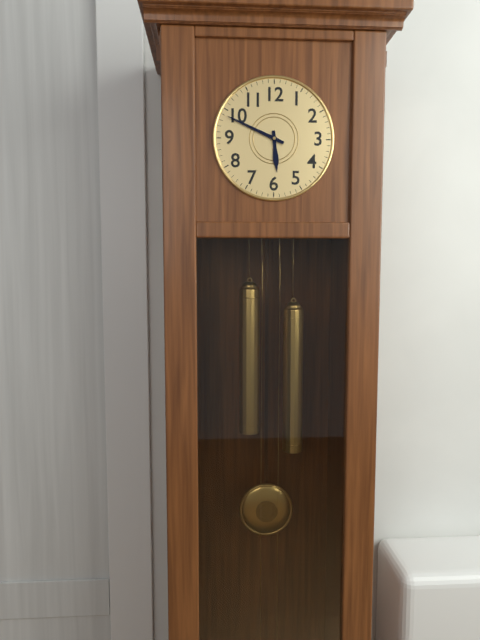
{"hour": 5, "minute": 49}
